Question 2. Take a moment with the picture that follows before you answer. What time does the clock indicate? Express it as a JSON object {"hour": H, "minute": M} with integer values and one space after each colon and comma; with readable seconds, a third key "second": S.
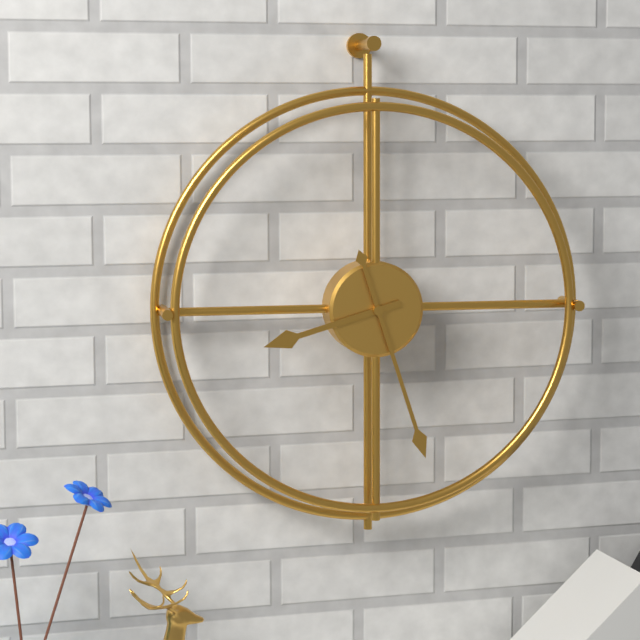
{"hour": 8, "minute": 27}
